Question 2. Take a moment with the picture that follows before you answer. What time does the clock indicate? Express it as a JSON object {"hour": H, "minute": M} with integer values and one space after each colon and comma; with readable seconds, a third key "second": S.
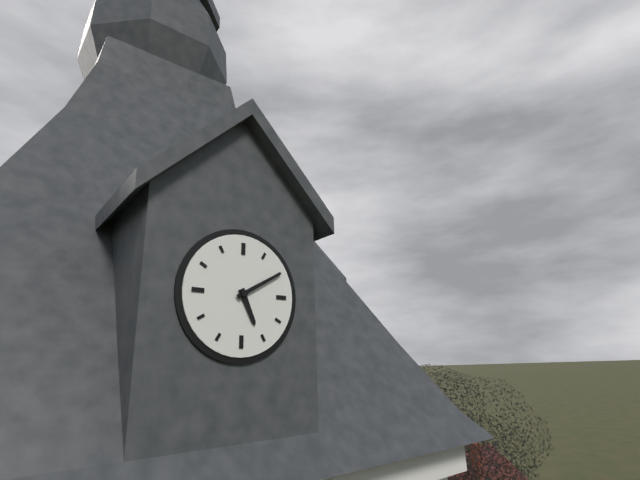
{"hour": 5, "minute": 10}
